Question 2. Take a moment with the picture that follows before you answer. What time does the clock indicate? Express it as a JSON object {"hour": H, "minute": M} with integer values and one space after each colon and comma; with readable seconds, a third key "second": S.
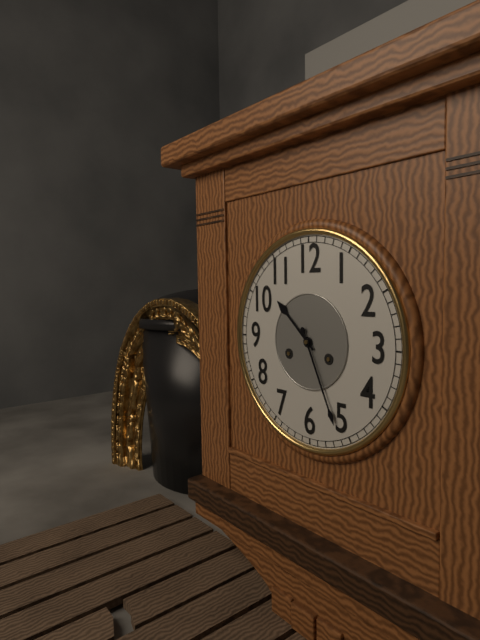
{"hour": 10, "minute": 26}
